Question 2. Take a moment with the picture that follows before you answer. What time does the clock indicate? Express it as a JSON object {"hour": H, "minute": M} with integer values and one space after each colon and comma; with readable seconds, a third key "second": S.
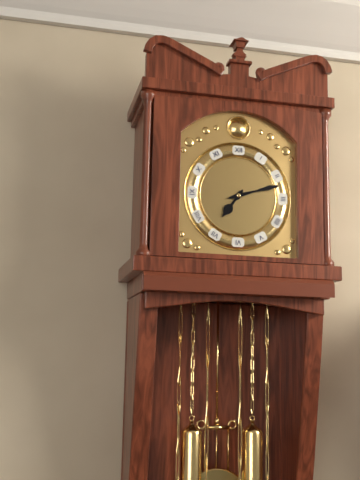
{"hour": 7, "minute": 12}
